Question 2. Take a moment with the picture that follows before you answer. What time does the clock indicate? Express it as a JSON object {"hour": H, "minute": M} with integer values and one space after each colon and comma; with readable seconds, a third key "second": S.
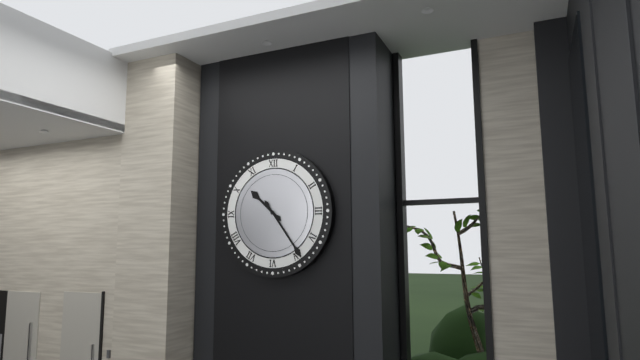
{"hour": 10, "minute": 24}
